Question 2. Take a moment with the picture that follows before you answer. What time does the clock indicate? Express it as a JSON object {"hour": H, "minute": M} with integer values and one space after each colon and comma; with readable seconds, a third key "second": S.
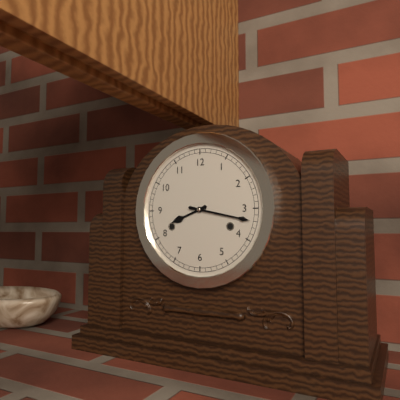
{"hour": 8, "minute": 17}
